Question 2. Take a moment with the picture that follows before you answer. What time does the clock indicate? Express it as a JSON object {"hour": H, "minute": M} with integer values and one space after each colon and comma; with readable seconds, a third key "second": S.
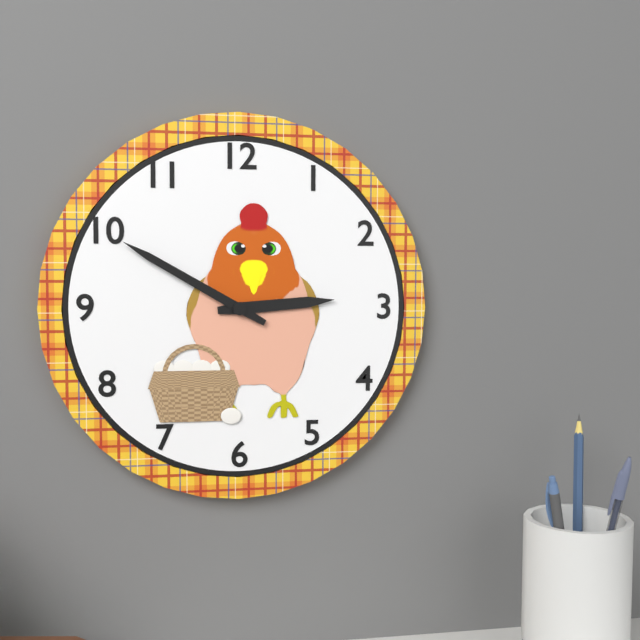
{"hour": 2, "minute": 50}
